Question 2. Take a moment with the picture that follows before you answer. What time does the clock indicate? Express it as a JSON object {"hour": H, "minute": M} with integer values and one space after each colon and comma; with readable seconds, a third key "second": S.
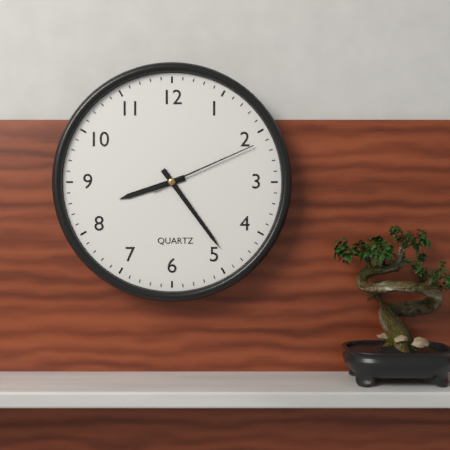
{"hour": 8, "minute": 24, "second": 11}
